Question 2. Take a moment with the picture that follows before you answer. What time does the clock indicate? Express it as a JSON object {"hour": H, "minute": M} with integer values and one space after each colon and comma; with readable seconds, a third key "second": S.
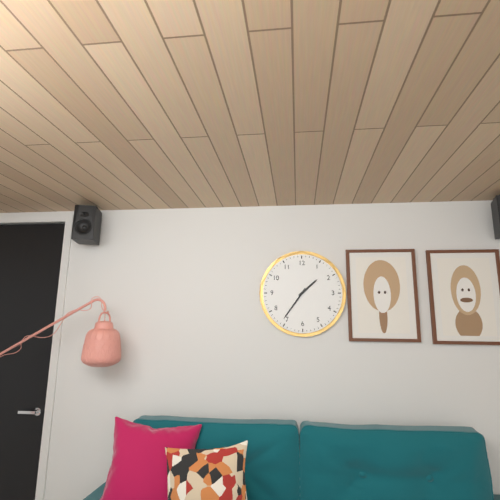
{"hour": 1, "minute": 36}
